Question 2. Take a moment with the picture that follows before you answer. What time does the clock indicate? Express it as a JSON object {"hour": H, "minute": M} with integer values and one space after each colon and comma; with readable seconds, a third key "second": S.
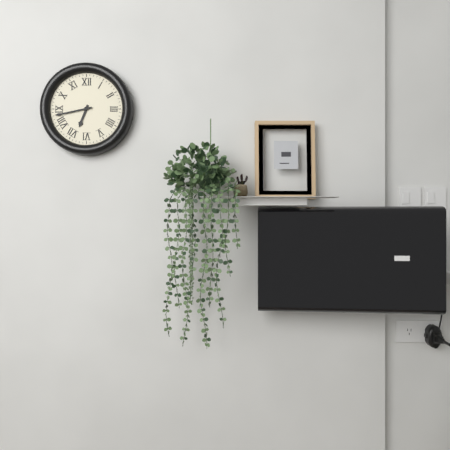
{"hour": 6, "minute": 43}
